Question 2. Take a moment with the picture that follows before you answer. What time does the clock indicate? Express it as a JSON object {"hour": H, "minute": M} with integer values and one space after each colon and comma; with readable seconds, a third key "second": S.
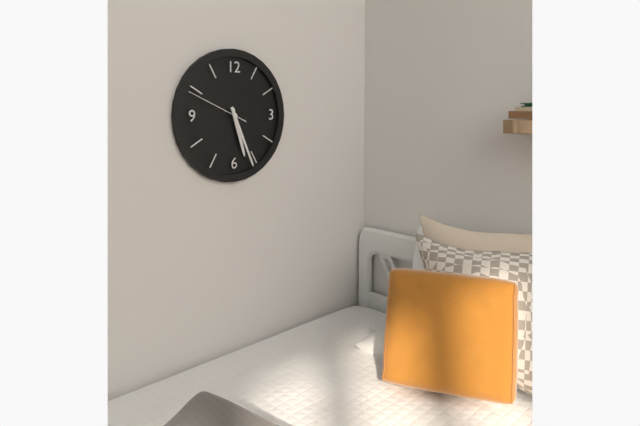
{"hour": 5, "minute": 26, "second": 49}
